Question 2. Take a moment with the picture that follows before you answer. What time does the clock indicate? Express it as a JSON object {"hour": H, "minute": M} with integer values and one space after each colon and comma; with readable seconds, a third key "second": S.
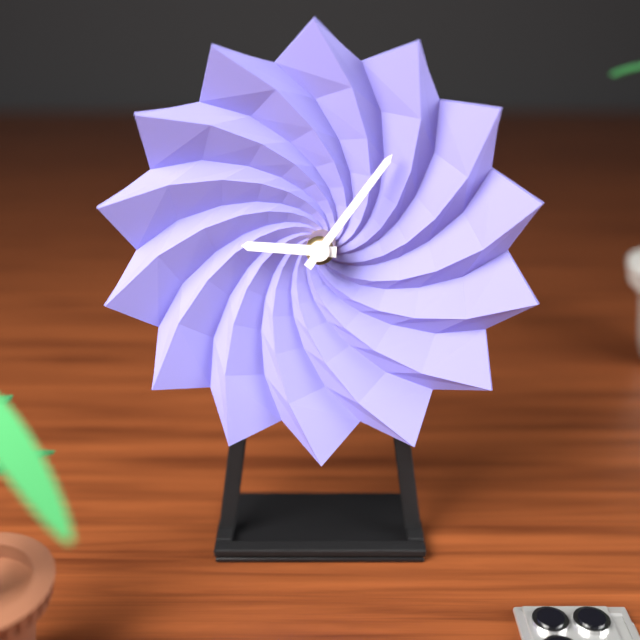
{"hour": 9, "minute": 6}
